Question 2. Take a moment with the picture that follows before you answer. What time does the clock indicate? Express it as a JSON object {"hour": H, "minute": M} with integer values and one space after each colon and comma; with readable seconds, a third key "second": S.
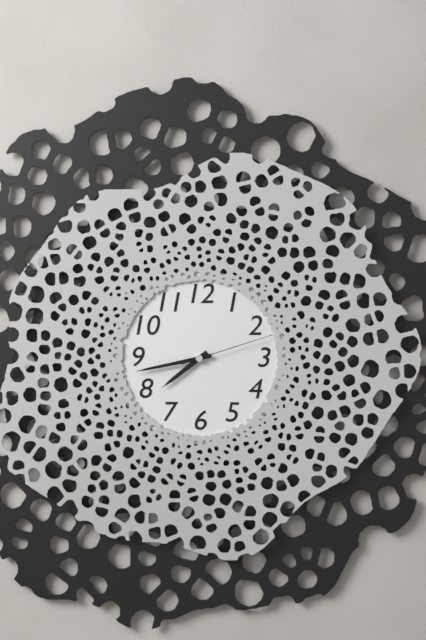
{"hour": 7, "minute": 43, "second": 12}
